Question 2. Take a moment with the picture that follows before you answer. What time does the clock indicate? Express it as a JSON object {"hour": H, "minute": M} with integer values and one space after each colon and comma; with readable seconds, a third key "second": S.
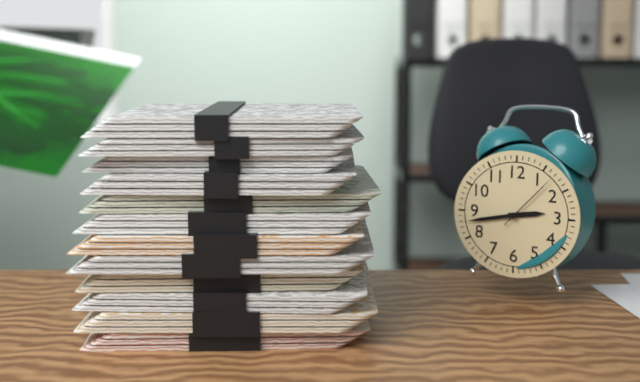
{"hour": 2, "minute": 43, "second": 7}
